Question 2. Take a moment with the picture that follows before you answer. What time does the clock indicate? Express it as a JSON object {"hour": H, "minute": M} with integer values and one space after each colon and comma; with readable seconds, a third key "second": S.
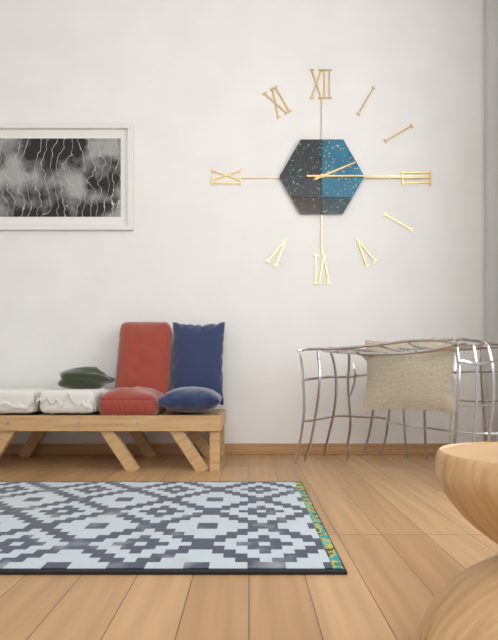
{"hour": 2, "minute": 15}
